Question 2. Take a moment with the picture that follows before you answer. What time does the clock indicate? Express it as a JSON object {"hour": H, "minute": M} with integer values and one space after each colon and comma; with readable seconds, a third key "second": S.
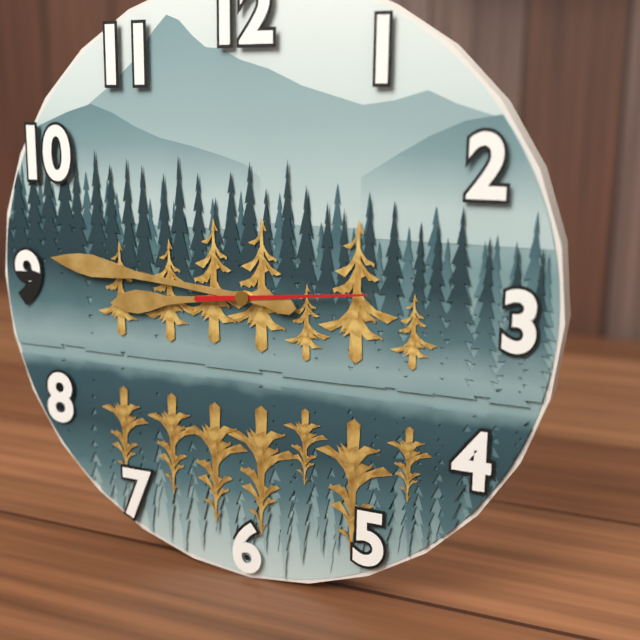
{"hour": 8, "minute": 46, "second": 14}
